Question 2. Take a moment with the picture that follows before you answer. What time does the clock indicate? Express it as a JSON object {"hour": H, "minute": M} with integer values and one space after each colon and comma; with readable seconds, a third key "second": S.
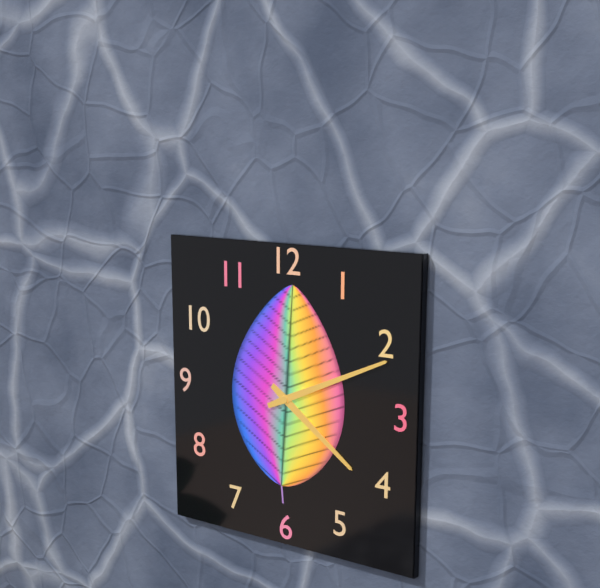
{"hour": 4, "minute": 11}
